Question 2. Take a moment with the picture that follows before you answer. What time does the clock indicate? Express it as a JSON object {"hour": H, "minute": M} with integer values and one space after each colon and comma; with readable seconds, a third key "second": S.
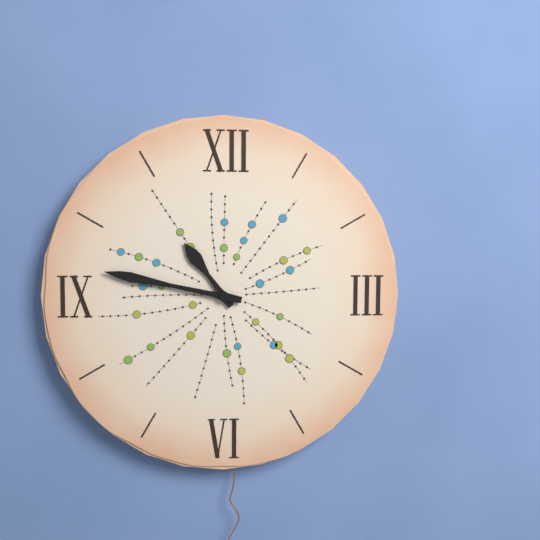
{"hour": 10, "minute": 47}
